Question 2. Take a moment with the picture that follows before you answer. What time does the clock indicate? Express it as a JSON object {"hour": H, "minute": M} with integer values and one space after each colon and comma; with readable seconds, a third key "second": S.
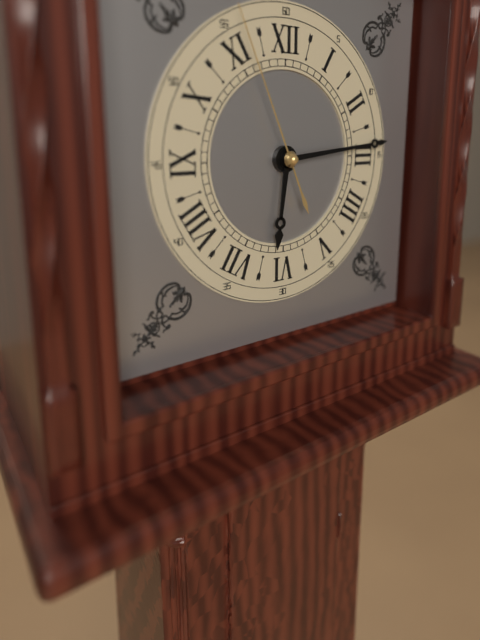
{"hour": 6, "minute": 14, "second": 56}
